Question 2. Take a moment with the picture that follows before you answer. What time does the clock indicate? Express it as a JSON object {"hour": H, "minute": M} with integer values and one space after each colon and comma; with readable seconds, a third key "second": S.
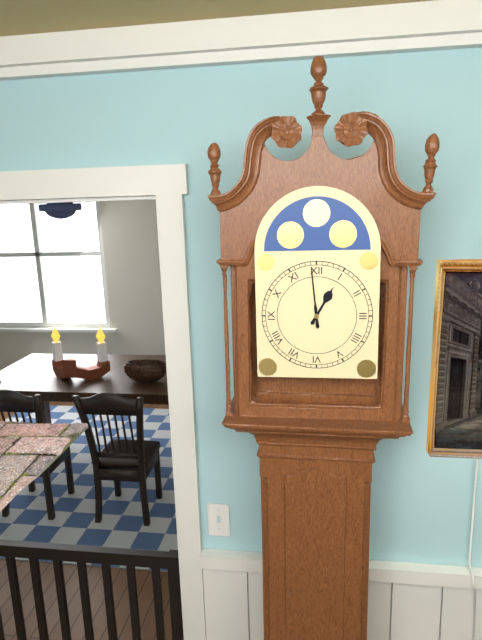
{"hour": 12, "minute": 59}
